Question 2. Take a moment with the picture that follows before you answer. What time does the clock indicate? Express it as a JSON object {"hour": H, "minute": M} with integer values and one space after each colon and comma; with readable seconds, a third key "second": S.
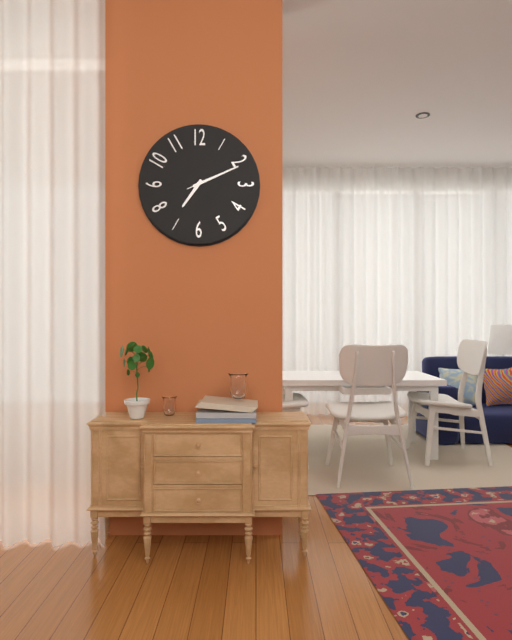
{"hour": 7, "minute": 11}
